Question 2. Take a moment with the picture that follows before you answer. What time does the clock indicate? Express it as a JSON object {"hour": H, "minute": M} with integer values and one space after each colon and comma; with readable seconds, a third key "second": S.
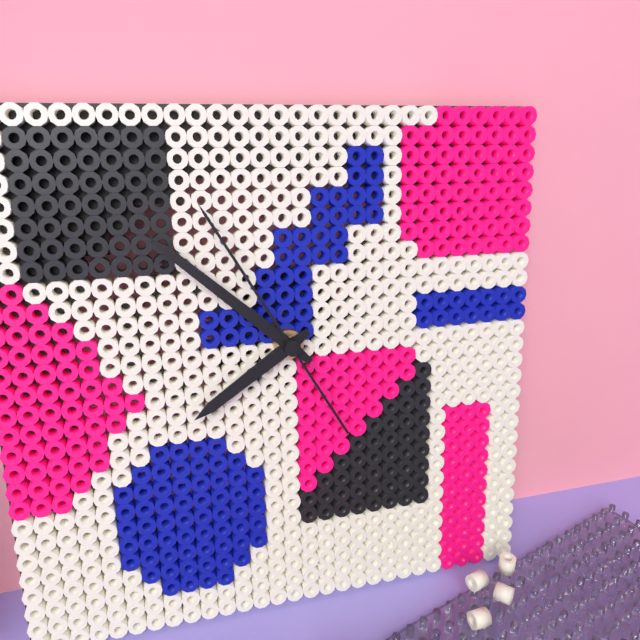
{"hour": 7, "minute": 52, "second": 55}
